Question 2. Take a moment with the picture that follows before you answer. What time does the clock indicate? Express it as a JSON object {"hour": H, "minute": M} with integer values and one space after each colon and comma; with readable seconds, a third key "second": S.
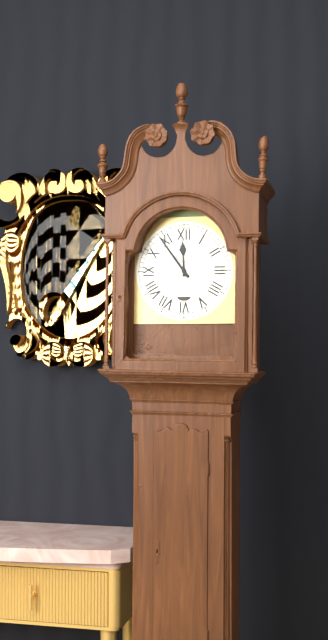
{"hour": 11, "minute": 54}
